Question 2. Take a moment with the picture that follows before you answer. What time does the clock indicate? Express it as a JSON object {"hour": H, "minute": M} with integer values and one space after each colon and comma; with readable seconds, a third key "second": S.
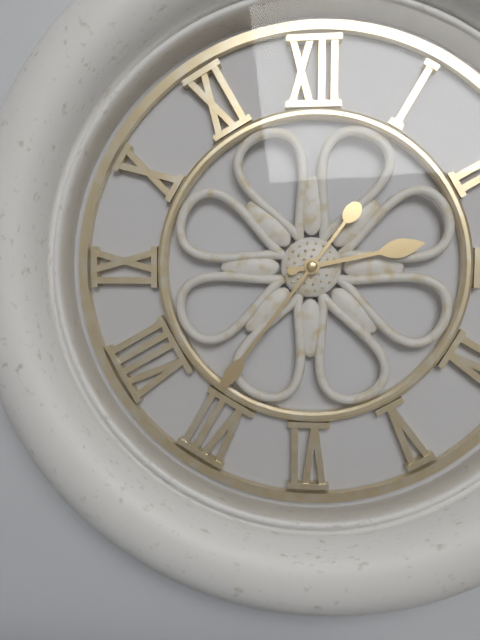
{"hour": 2, "minute": 36}
